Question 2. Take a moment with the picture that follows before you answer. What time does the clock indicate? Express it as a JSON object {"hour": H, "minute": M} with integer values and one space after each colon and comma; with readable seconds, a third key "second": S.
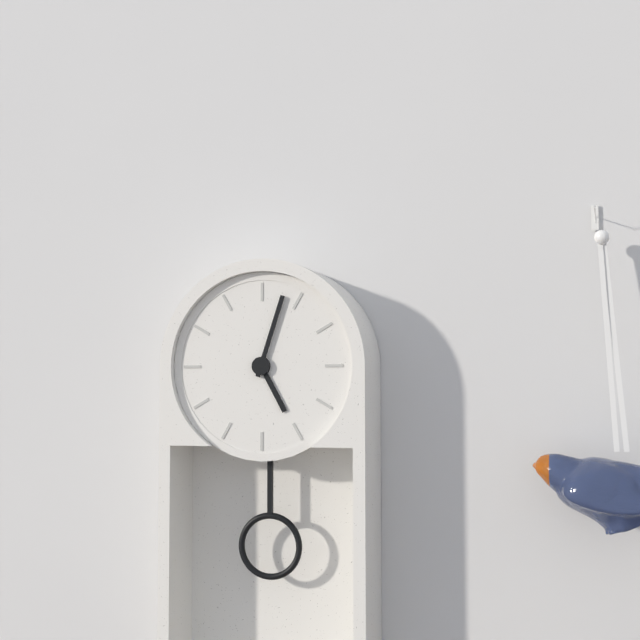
{"hour": 5, "minute": 3}
